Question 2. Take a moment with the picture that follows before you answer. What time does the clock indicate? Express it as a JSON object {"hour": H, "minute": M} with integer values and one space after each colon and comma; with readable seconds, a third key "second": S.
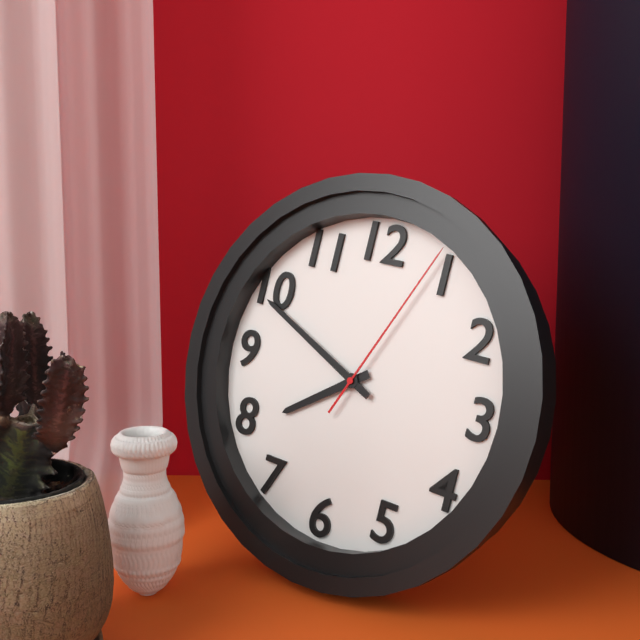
{"hour": 7, "minute": 49, "second": 4}
